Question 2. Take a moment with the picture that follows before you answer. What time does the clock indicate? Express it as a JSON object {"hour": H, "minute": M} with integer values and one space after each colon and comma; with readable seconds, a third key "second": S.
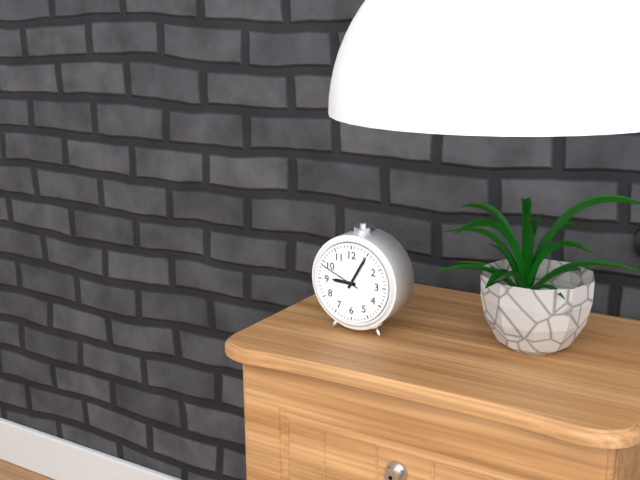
{"hour": 9, "minute": 5}
